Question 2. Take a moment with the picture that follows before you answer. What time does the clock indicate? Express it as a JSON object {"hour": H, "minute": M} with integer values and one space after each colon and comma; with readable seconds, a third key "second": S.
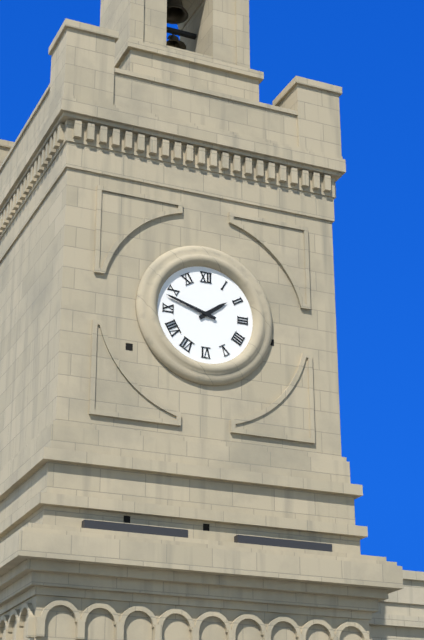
{"hour": 1, "minute": 48}
